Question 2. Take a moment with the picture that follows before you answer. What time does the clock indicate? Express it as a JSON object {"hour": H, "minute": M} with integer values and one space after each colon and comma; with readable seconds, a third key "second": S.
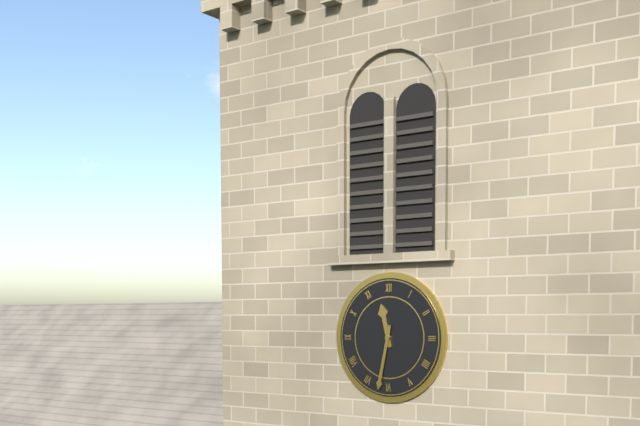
{"hour": 11, "minute": 32}
